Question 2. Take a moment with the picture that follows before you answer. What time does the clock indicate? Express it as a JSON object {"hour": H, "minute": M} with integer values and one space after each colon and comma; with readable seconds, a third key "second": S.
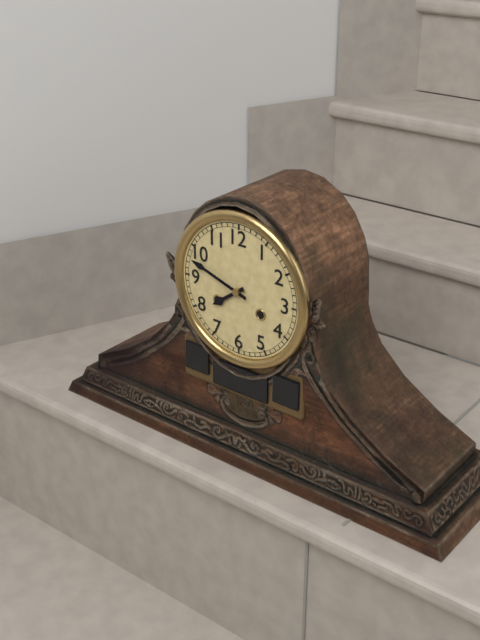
{"hour": 7, "minute": 48}
